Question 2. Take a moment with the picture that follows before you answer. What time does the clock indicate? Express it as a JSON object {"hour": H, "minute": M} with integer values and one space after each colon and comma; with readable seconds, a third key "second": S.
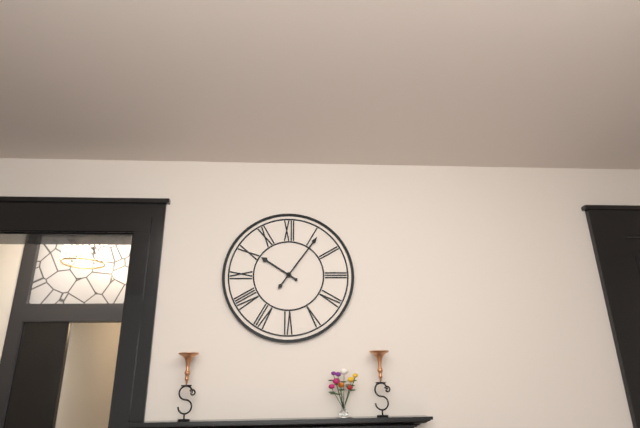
{"hour": 10, "minute": 6}
